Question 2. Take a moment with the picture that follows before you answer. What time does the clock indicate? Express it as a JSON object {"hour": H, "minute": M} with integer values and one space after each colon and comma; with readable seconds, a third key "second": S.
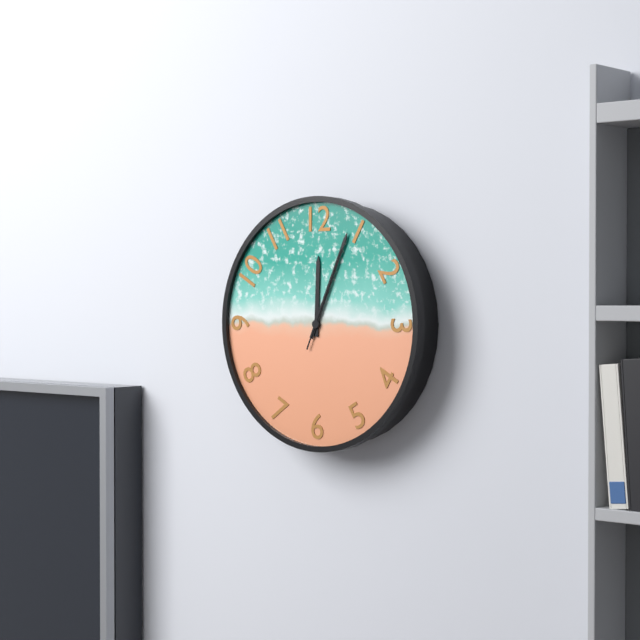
{"hour": 12, "minute": 4, "second": 4}
